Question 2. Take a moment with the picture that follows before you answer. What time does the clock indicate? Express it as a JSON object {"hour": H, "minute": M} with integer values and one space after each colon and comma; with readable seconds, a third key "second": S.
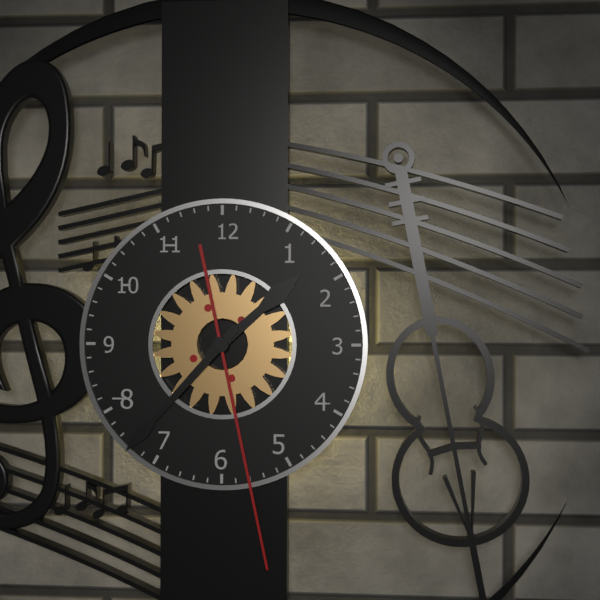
{"hour": 1, "minute": 37, "second": 28}
